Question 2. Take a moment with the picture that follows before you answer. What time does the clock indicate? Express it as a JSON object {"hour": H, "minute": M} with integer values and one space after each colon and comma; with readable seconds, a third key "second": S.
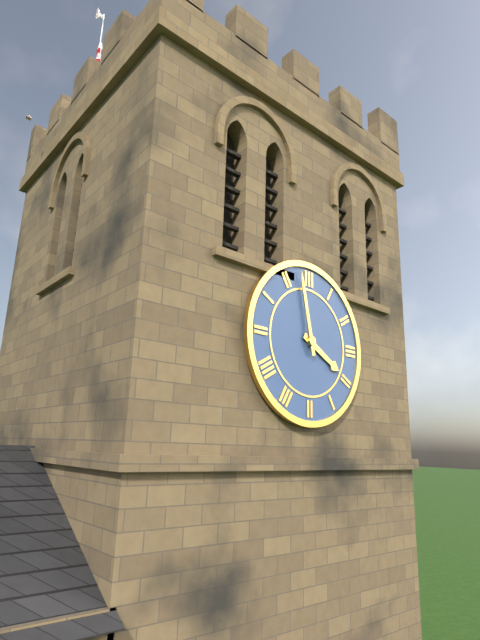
{"hour": 3, "minute": 58}
